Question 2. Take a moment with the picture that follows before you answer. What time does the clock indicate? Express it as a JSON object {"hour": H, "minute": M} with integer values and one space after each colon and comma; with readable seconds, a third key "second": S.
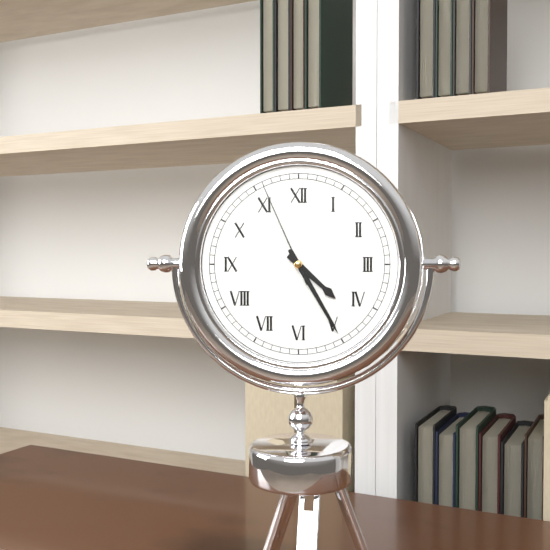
{"hour": 4, "minute": 25, "second": 56}
